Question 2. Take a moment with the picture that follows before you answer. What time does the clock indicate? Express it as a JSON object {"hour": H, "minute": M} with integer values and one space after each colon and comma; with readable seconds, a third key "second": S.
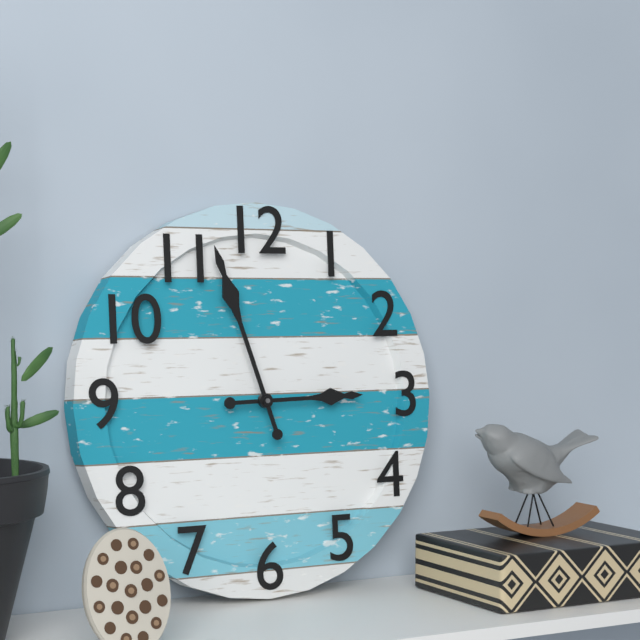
{"hour": 2, "minute": 57}
